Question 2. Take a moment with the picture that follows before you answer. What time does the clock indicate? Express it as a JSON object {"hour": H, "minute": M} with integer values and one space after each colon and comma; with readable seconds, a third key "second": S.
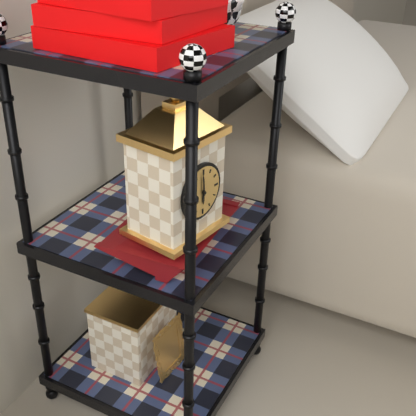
{"hour": 5, "minute": 59}
